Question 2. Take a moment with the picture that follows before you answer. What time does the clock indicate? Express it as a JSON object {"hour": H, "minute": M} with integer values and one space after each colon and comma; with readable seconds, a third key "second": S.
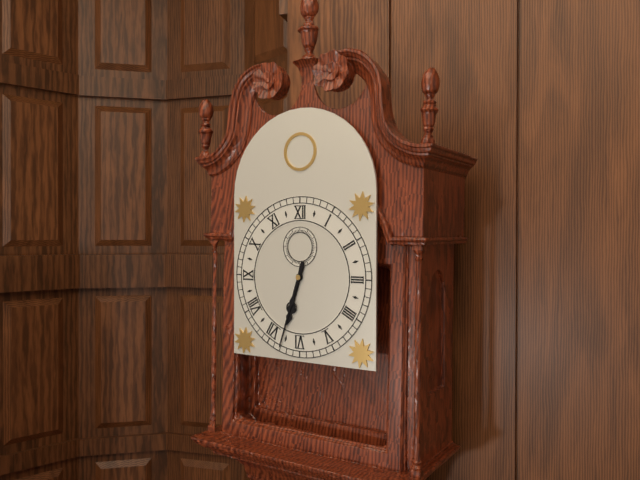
{"hour": 6, "minute": 33}
